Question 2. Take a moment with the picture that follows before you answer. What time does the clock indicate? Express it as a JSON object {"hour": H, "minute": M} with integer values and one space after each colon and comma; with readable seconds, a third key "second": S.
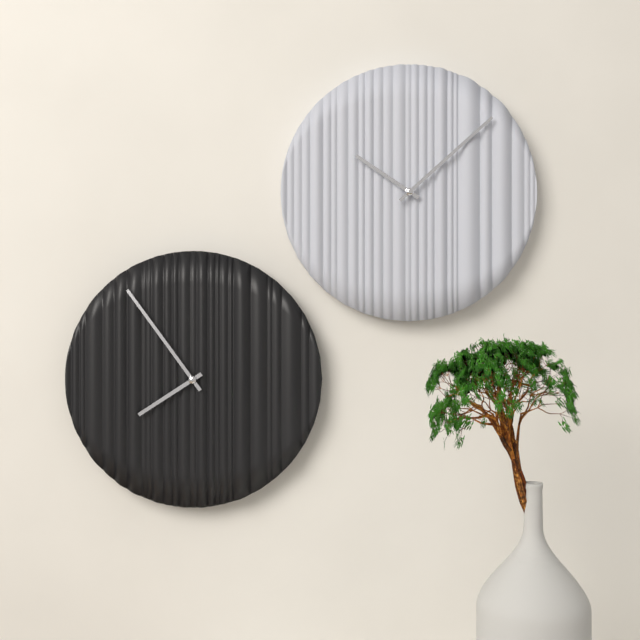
{"hour": 7, "minute": 54}
